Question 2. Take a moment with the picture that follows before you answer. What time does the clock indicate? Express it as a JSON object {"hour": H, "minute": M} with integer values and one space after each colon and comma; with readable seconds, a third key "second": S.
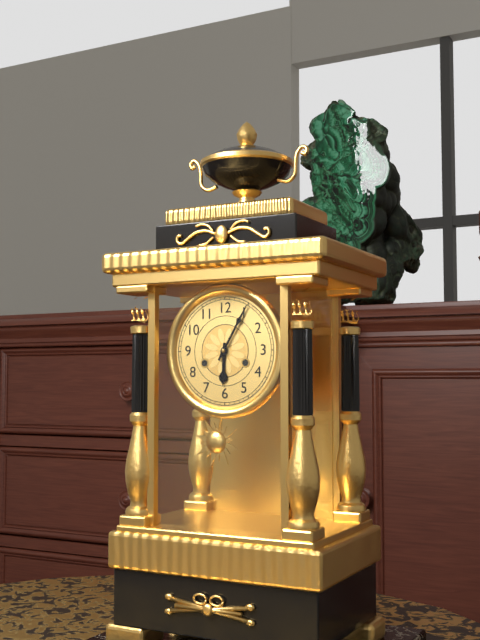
{"hour": 6, "minute": 5}
